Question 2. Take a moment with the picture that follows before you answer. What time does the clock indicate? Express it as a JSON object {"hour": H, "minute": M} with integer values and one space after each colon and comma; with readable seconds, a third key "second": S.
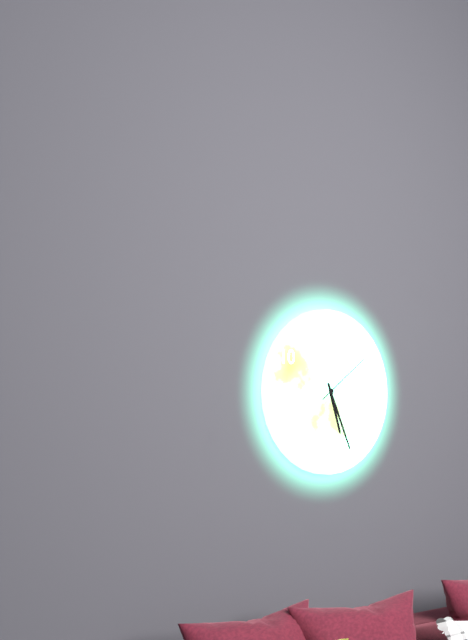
{"hour": 5, "minute": 26, "second": 9}
